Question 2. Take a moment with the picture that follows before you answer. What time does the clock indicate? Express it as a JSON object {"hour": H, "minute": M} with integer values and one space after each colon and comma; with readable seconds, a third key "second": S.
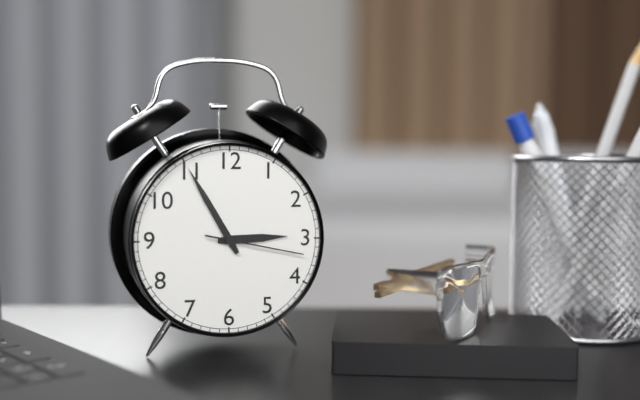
{"hour": 2, "minute": 55, "second": 17}
